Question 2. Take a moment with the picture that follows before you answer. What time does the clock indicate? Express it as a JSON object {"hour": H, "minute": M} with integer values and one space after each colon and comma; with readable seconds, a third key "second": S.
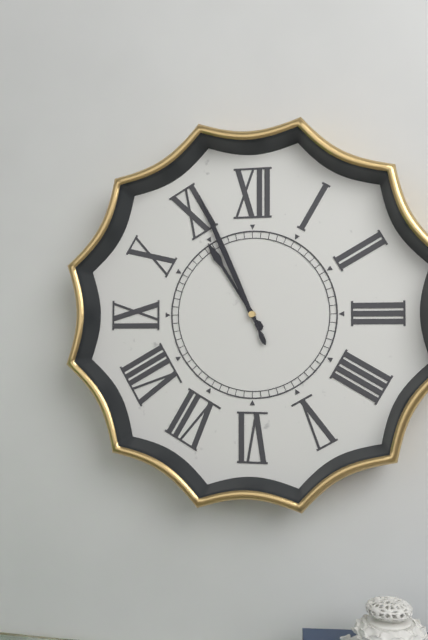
{"hour": 10, "minute": 56}
